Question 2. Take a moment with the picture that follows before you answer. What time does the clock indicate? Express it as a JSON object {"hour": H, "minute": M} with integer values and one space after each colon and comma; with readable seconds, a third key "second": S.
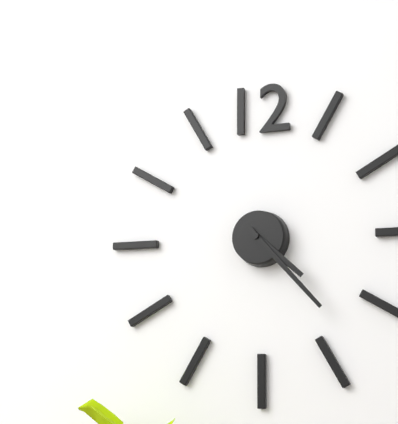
{"hour": 4, "minute": 23}
